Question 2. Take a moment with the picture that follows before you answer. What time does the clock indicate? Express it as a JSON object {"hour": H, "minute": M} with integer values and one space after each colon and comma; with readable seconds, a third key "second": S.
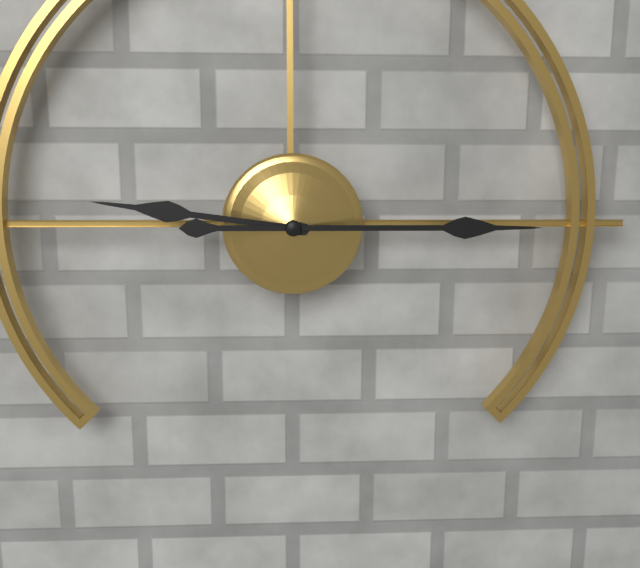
{"hour": 9, "minute": 15}
